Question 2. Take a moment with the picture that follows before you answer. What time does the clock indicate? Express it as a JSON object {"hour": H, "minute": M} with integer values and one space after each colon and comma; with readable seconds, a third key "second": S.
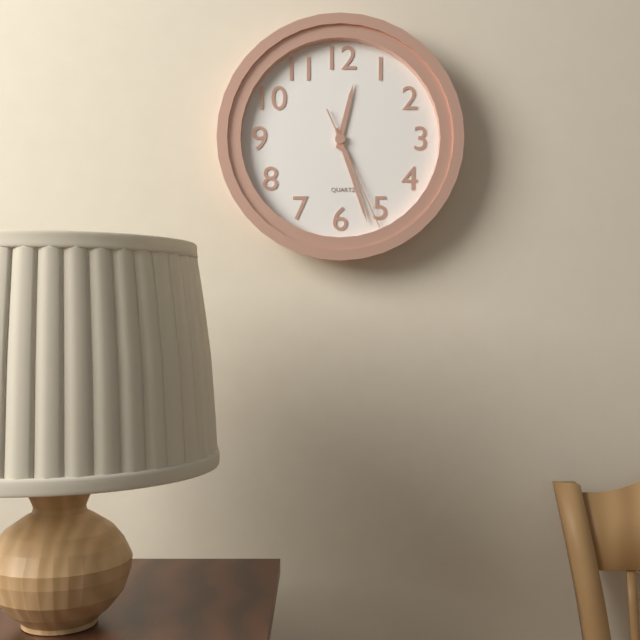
{"hour": 12, "minute": 27, "second": 26}
